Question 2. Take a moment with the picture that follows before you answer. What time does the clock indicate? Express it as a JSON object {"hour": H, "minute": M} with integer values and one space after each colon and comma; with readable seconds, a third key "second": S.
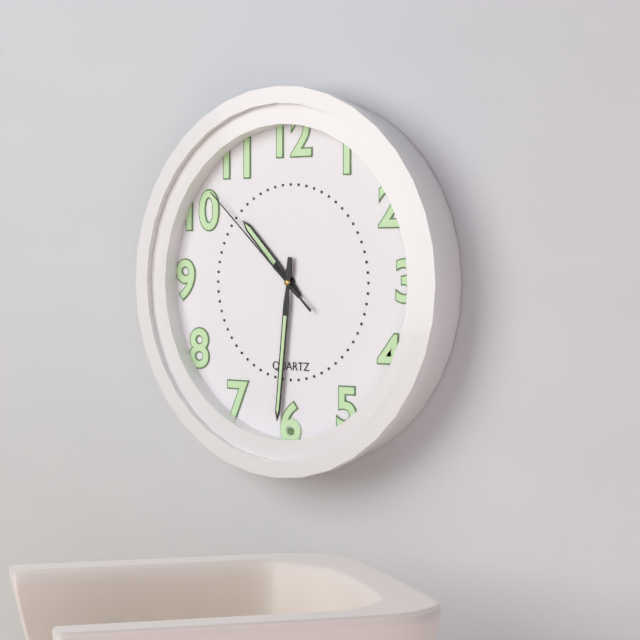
{"hour": 10, "minute": 31, "second": 52}
